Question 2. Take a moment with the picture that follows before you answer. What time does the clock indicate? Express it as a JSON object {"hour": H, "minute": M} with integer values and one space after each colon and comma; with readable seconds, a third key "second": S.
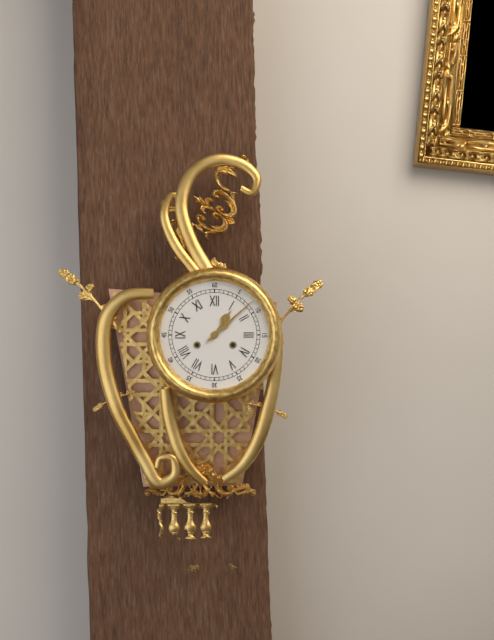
{"hour": 1, "minute": 8}
